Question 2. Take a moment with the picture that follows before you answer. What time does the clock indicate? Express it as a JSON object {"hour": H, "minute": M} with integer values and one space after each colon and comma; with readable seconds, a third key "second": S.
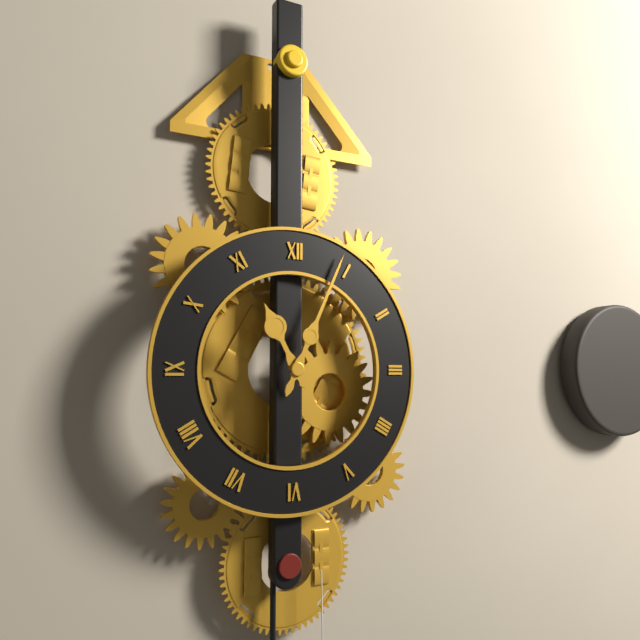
{"hour": 11, "minute": 4}
